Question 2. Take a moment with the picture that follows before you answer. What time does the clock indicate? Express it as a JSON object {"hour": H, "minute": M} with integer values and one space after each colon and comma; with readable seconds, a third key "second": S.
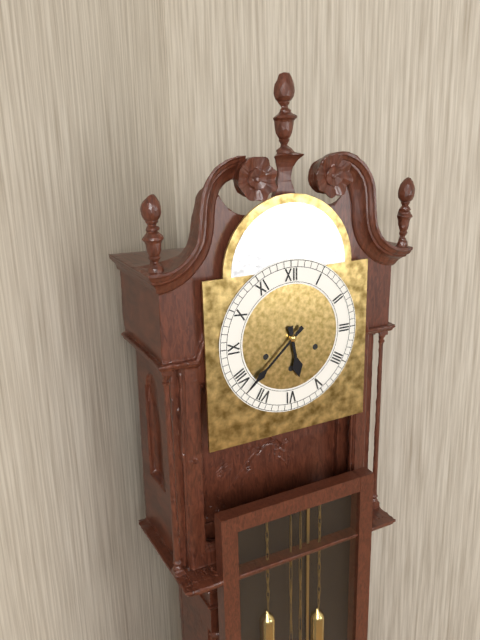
{"hour": 5, "minute": 38}
